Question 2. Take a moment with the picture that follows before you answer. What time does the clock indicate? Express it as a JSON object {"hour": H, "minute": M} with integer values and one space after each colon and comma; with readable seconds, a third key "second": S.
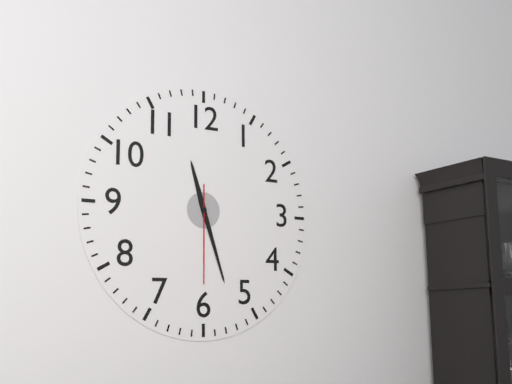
{"hour": 11, "minute": 27, "second": 30}
